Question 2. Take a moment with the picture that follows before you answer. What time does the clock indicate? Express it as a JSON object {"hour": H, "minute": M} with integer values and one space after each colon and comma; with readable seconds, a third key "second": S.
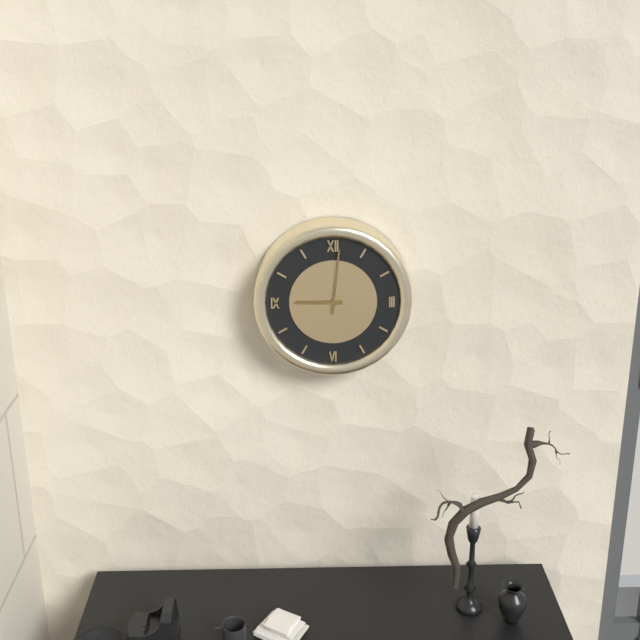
{"hour": 9, "minute": 1}
